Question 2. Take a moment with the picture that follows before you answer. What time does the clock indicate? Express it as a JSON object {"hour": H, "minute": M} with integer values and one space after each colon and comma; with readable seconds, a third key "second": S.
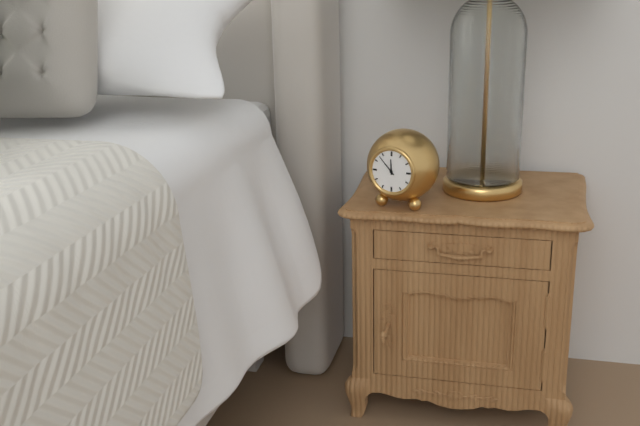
{"hour": 11, "minute": 53}
